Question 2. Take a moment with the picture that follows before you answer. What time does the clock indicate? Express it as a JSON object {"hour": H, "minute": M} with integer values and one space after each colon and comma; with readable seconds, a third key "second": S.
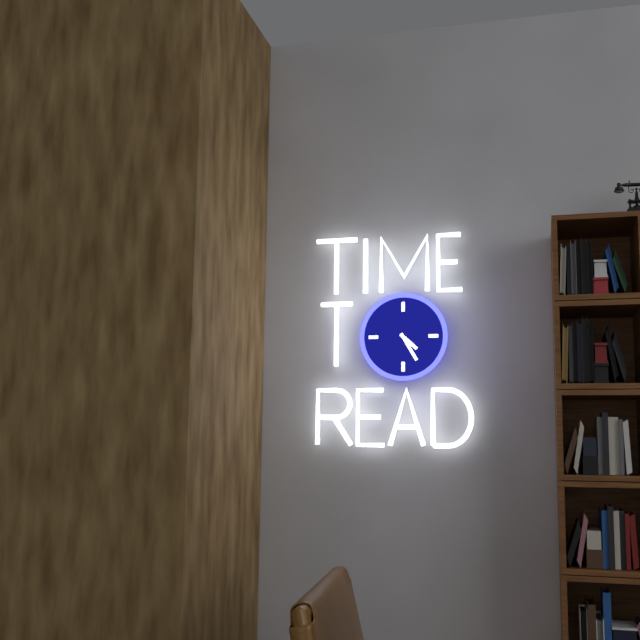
{"hour": 4, "minute": 25}
